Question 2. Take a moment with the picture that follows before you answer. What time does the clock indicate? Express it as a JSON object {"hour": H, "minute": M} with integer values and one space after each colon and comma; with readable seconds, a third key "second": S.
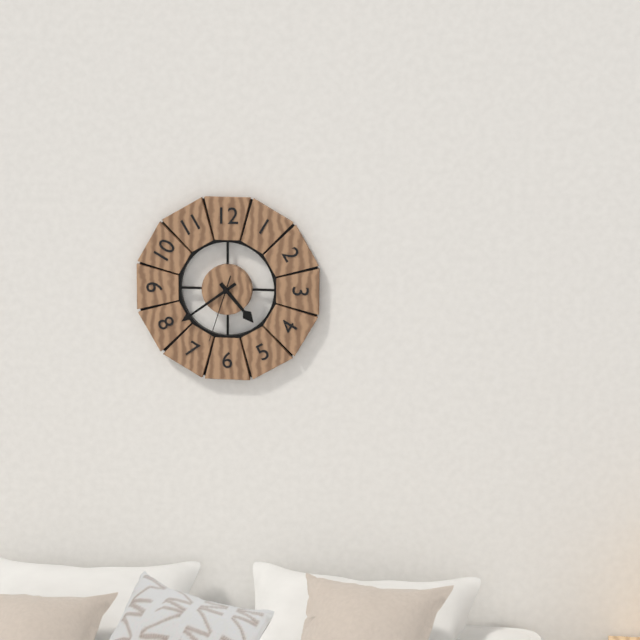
{"hour": 4, "minute": 39, "second": 33}
